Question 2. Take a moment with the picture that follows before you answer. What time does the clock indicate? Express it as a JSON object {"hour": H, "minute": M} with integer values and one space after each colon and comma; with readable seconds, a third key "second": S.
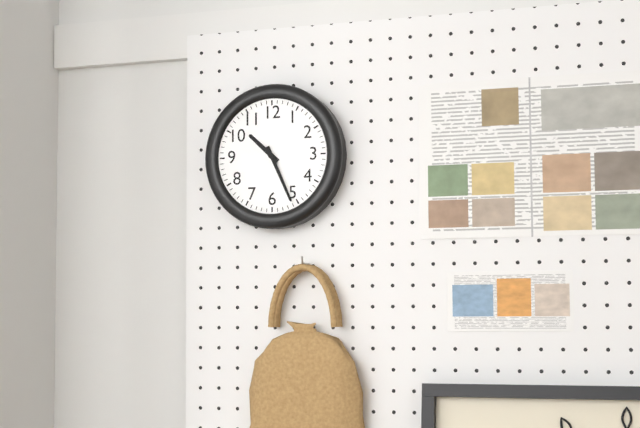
{"hour": 10, "minute": 26}
